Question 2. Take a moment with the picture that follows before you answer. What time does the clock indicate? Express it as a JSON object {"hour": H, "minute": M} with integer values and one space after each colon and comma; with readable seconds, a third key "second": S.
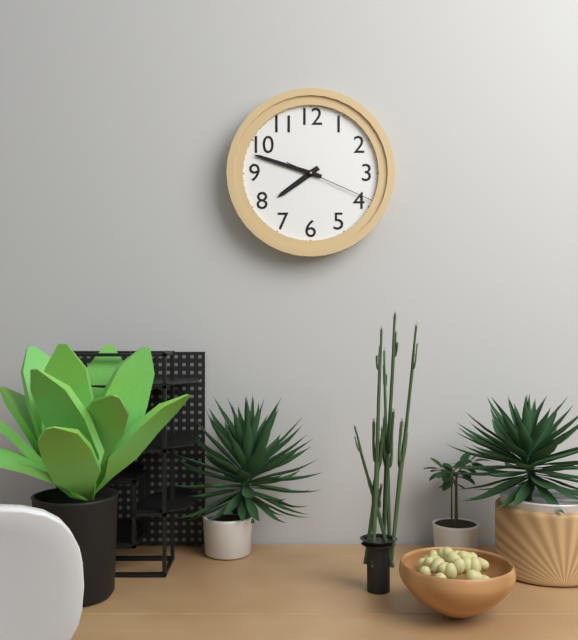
{"hour": 7, "minute": 48, "second": 19}
